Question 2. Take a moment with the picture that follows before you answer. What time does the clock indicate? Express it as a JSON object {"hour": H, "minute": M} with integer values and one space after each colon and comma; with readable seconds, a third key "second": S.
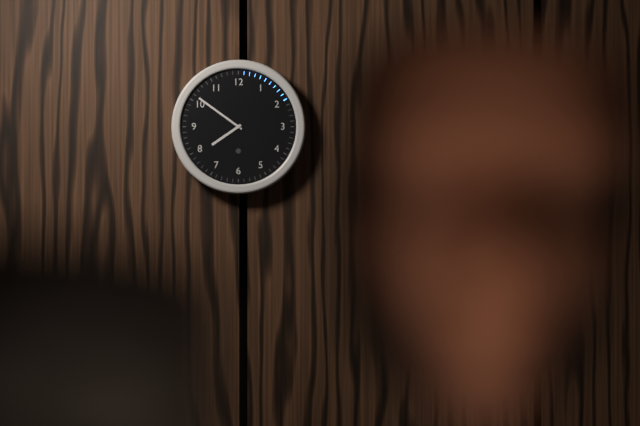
{"hour": 7, "minute": 51}
